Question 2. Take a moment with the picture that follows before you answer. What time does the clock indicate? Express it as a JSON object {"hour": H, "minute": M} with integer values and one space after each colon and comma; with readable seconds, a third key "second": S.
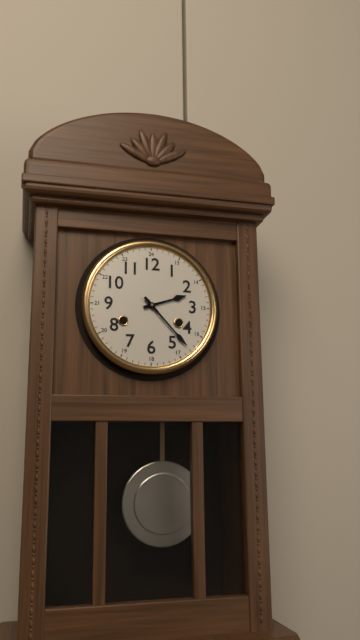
{"hour": 2, "minute": 23}
